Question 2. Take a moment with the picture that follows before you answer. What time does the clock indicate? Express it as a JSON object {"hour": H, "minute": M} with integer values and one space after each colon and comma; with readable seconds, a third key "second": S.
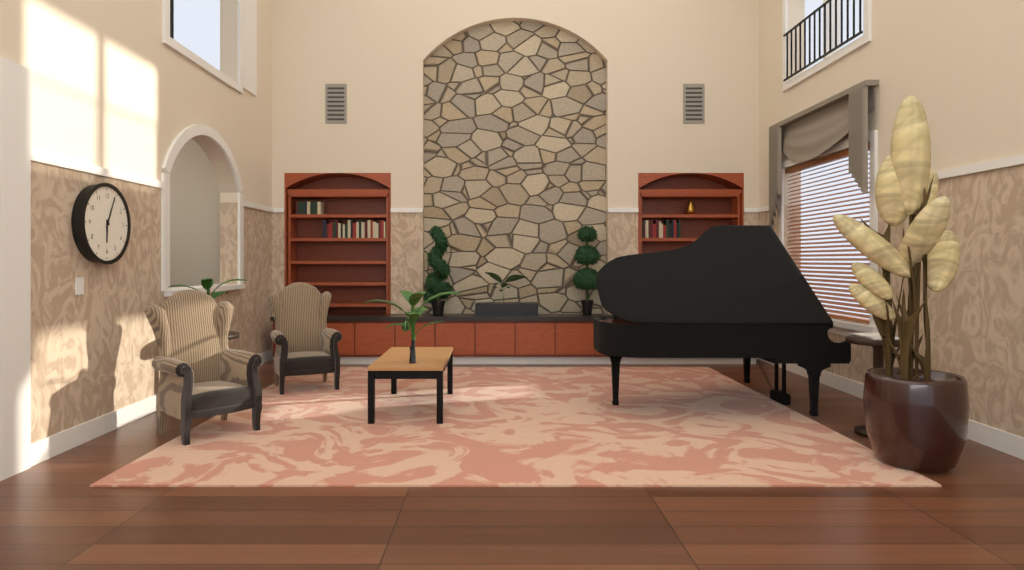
{"hour": 6, "minute": 4}
